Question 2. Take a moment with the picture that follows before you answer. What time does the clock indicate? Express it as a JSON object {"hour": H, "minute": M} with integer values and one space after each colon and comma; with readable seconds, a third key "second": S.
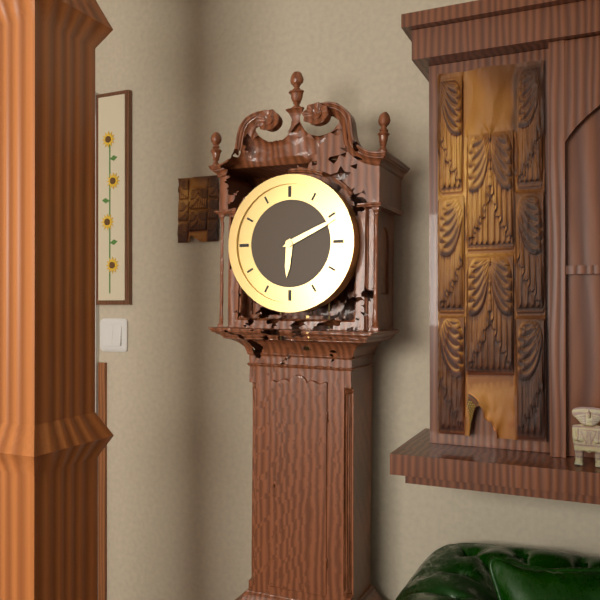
{"hour": 6, "minute": 11}
